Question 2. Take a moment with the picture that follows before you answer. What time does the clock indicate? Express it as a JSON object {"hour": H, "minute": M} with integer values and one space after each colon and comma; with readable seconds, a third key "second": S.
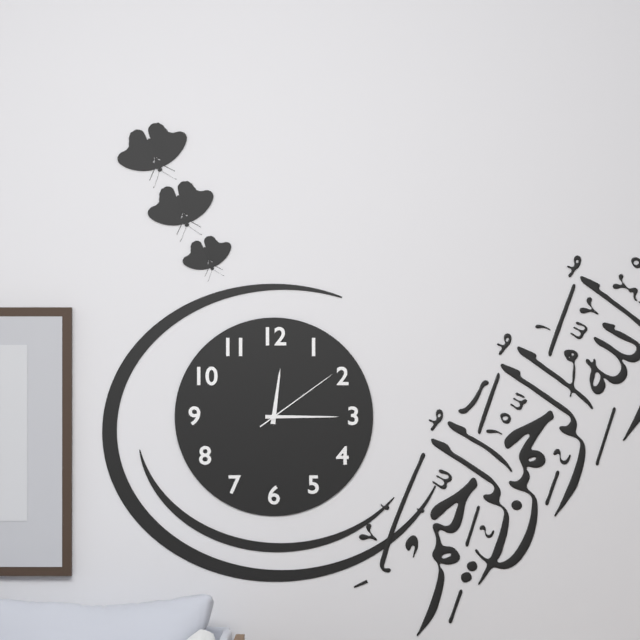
{"hour": 12, "minute": 15, "second": 9}
